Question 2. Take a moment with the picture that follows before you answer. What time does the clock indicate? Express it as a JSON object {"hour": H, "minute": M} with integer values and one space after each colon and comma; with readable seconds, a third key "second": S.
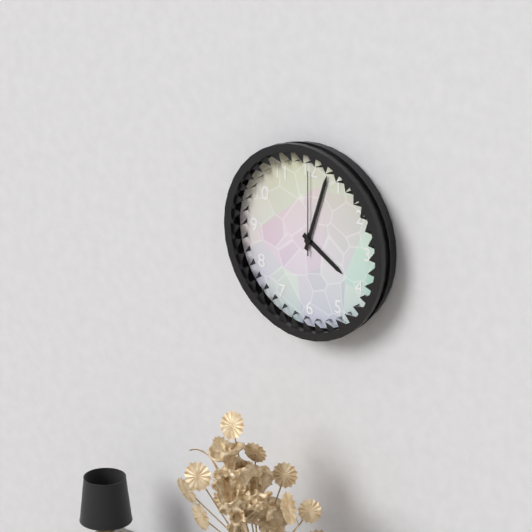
{"hour": 4, "minute": 3, "second": 0}
